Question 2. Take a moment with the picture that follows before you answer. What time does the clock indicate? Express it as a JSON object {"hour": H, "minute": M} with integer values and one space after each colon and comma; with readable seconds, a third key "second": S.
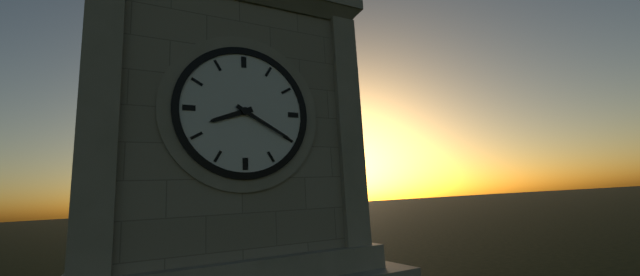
{"hour": 8, "minute": 20}
